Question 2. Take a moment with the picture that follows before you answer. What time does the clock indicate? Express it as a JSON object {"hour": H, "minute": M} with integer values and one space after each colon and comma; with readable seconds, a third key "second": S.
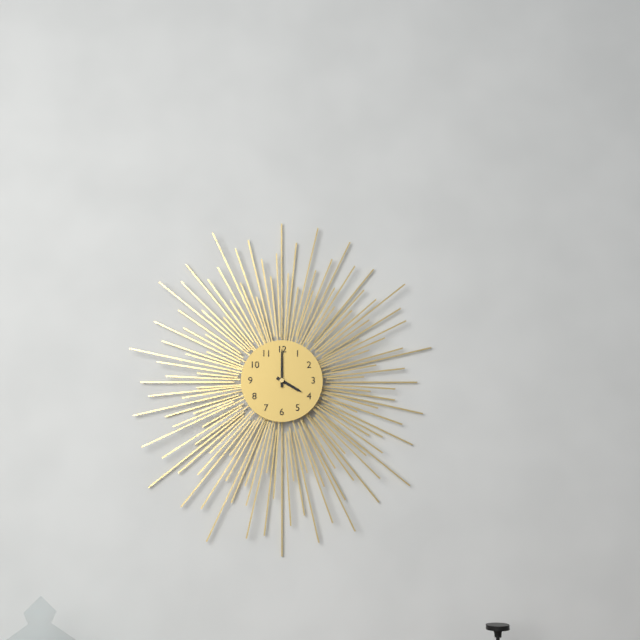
{"hour": 4, "minute": 0}
